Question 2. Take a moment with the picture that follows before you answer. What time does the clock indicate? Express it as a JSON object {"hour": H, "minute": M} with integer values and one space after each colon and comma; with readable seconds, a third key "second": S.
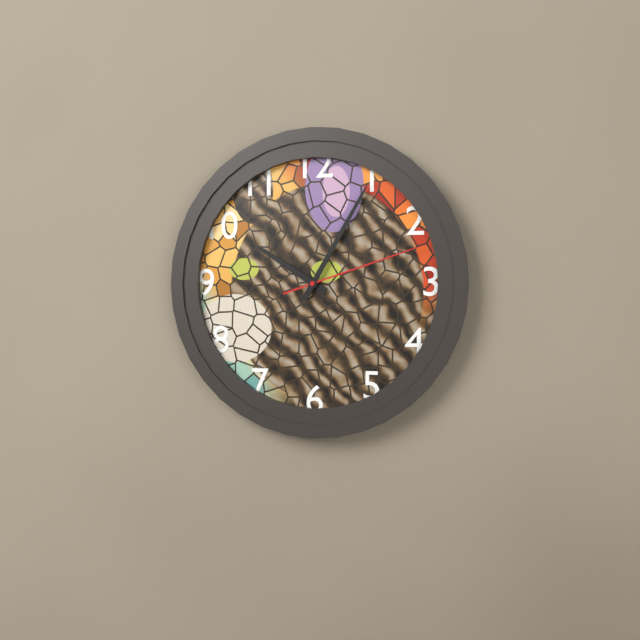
{"hour": 10, "minute": 5, "second": 12}
